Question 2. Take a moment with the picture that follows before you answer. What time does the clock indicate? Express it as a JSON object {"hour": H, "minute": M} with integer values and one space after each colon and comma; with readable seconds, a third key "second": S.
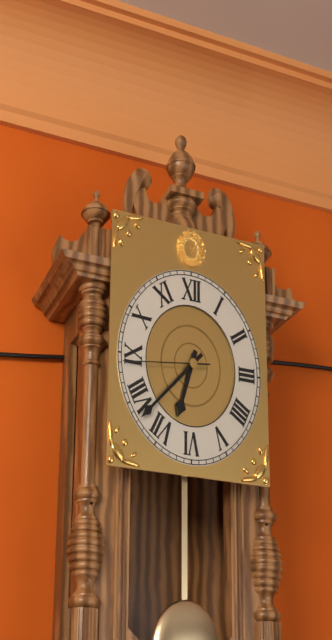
{"hour": 6, "minute": 38, "second": 44}
